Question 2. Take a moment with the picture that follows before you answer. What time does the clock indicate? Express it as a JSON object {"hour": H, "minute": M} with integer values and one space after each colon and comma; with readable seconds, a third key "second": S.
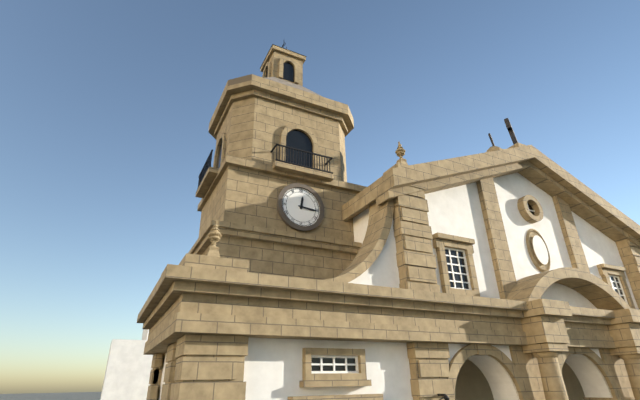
{"hour": 12, "minute": 16}
